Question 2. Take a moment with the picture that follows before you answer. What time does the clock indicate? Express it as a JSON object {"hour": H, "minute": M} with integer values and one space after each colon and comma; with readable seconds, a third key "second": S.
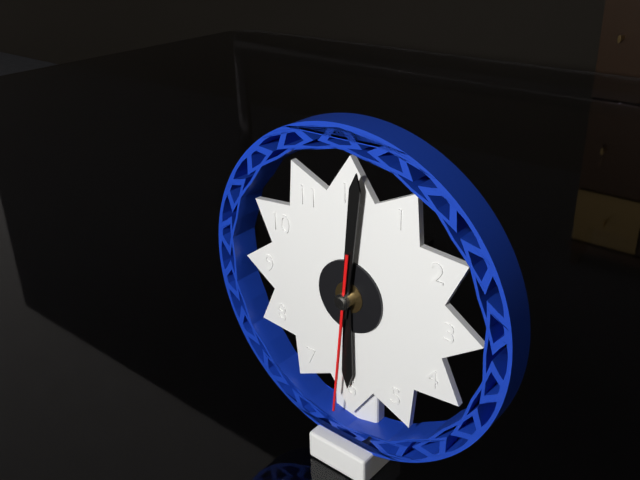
{"hour": 6, "minute": 1, "second": 31}
